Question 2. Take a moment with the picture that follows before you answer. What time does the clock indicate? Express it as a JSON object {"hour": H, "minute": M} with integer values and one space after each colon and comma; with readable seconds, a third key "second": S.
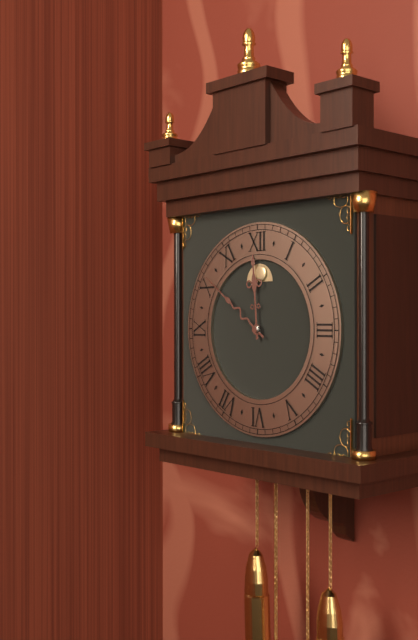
{"hour": 11, "minute": 51}
